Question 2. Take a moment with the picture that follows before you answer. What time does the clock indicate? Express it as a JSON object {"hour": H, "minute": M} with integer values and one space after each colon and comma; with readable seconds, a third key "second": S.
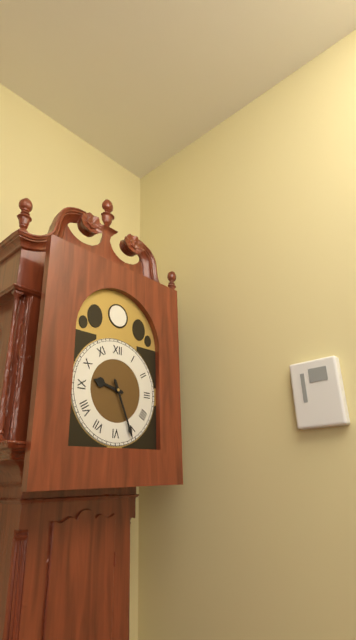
{"hour": 9, "minute": 26}
